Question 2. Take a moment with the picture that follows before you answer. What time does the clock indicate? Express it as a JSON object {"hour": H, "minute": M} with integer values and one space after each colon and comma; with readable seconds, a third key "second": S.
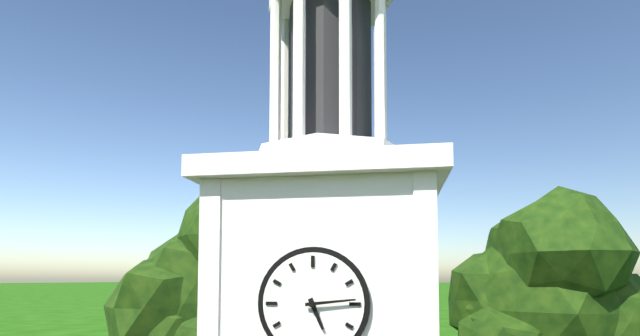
{"hour": 5, "minute": 14}
